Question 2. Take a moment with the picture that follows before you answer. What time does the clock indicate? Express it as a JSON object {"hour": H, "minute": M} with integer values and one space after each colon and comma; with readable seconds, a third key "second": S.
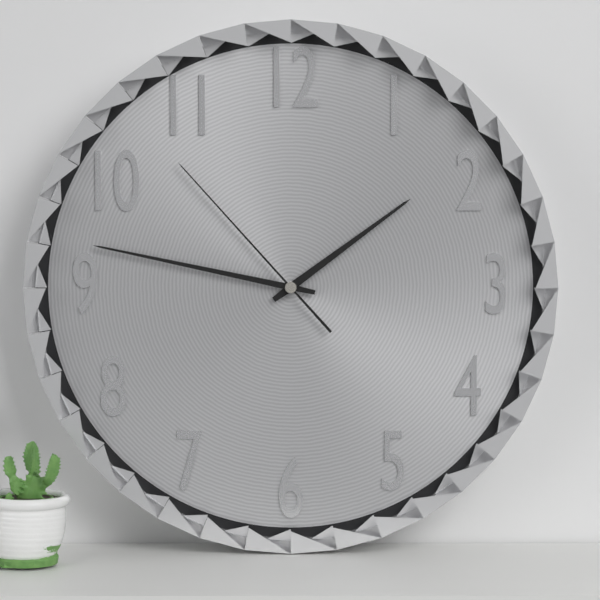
{"hour": 1, "minute": 47, "second": 53}
